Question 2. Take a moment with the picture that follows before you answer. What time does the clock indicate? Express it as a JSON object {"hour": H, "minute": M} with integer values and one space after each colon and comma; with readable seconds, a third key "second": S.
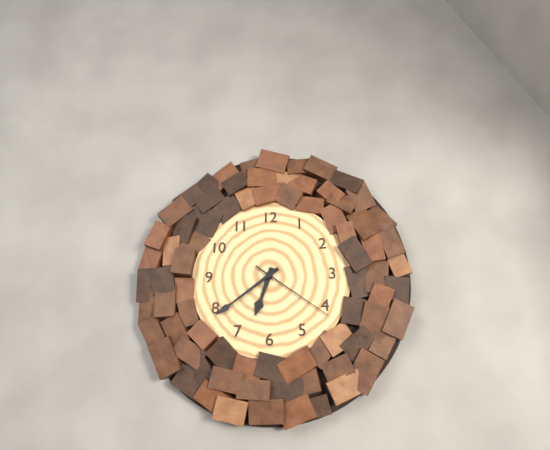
{"hour": 6, "minute": 39, "second": 21}
